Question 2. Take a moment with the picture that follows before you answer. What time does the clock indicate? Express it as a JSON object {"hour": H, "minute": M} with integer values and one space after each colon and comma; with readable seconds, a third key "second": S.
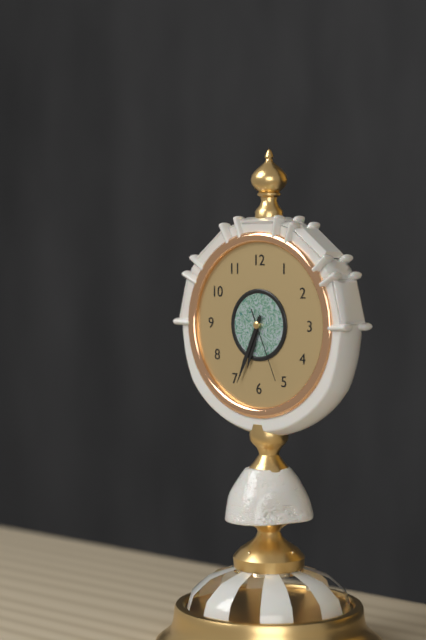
{"hour": 6, "minute": 34, "second": 26}
